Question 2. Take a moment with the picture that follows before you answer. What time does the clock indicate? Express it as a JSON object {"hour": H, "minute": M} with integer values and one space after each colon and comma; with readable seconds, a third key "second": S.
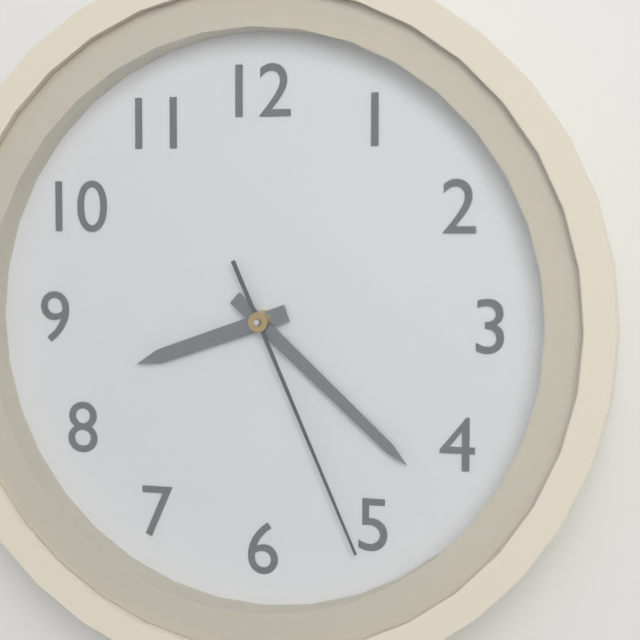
{"hour": 8, "minute": 22, "second": 26}
